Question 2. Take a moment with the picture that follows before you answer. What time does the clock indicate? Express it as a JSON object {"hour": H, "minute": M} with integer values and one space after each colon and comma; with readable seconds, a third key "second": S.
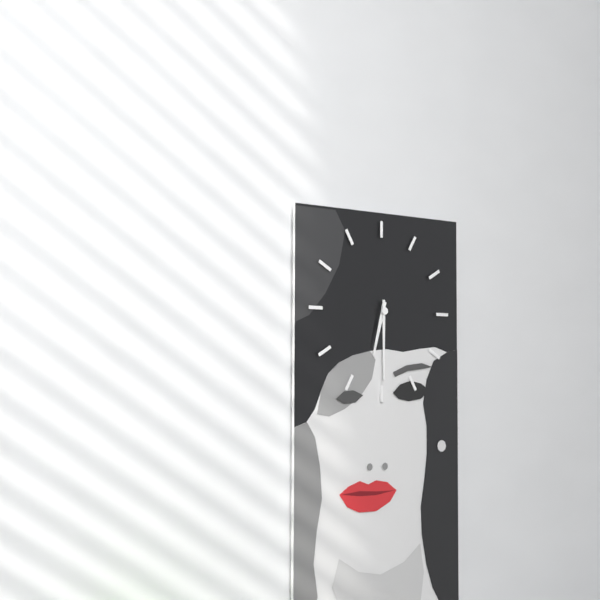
{"hour": 6, "minute": 30}
